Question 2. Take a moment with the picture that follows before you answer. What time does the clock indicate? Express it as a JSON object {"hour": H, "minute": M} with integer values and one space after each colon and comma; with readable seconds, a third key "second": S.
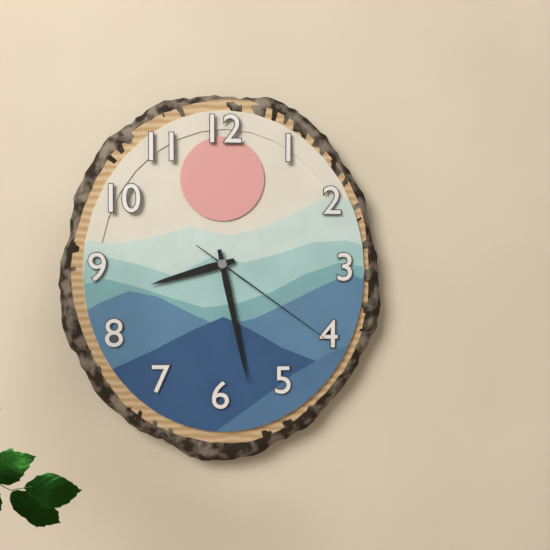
{"hour": 8, "minute": 28, "second": 21}
